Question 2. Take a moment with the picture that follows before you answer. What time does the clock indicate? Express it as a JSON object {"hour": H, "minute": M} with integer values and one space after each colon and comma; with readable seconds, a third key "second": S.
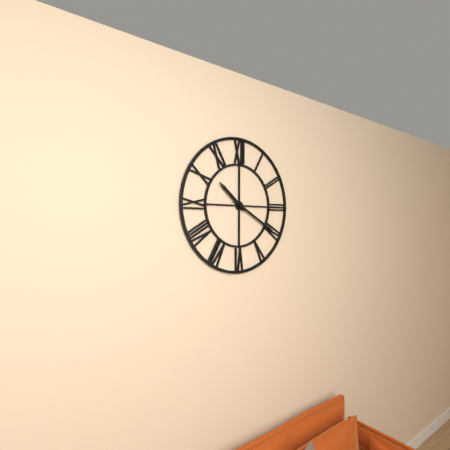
{"hour": 10, "minute": 20}
